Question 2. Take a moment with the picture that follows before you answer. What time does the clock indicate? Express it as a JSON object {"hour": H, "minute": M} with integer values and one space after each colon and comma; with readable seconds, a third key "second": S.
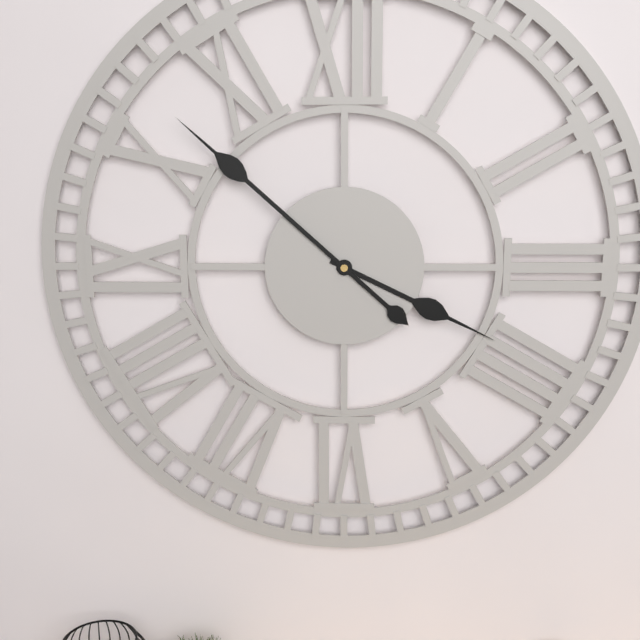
{"hour": 3, "minute": 52}
